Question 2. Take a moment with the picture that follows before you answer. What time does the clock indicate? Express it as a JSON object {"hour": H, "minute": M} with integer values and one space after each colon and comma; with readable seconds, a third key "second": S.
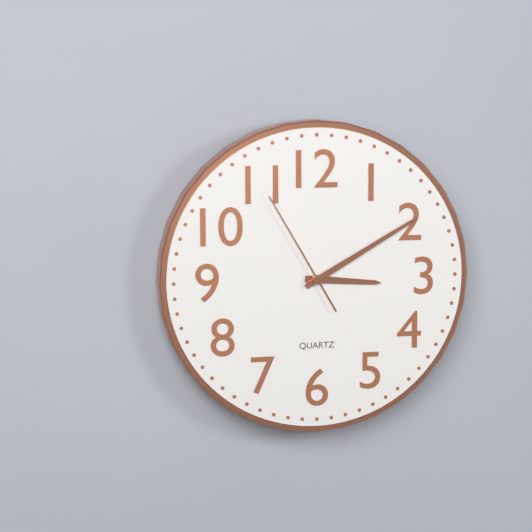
{"hour": 3, "minute": 10, "second": 55}
